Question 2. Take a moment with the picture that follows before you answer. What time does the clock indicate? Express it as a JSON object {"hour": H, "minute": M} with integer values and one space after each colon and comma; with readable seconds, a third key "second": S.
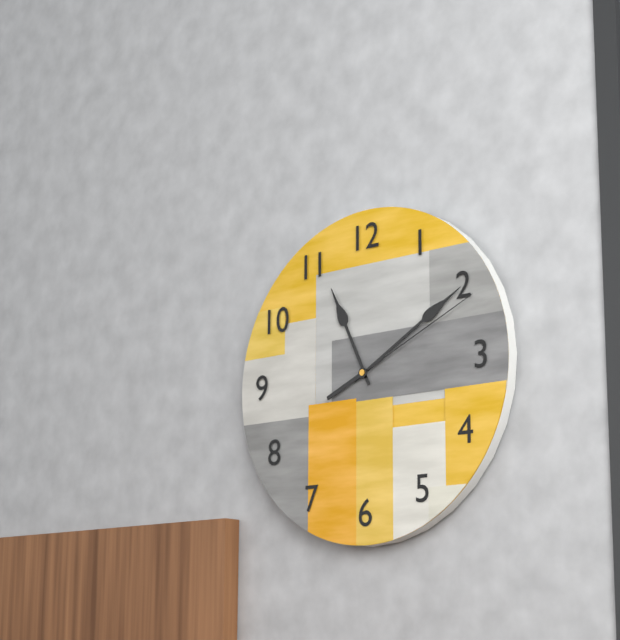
{"hour": 11, "minute": 10, "second": 11}
